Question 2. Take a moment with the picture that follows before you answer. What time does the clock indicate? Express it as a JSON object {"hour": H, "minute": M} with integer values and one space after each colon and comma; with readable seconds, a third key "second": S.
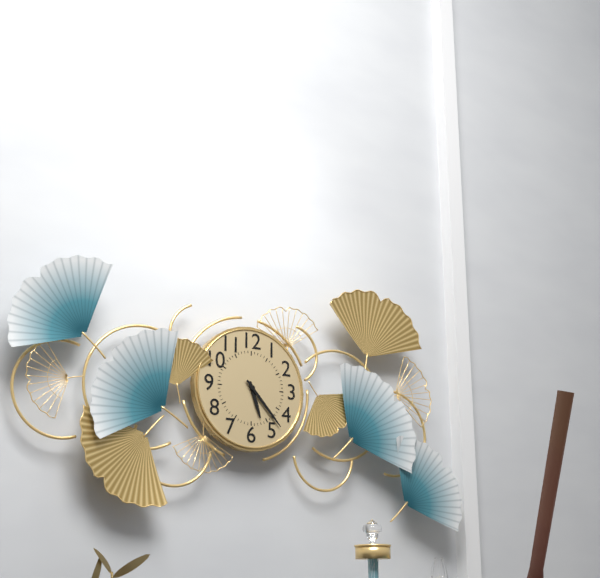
{"hour": 5, "minute": 23}
